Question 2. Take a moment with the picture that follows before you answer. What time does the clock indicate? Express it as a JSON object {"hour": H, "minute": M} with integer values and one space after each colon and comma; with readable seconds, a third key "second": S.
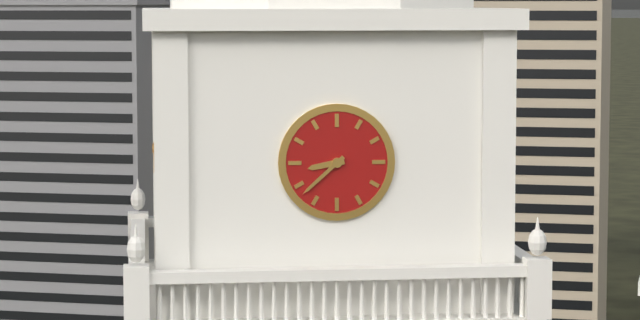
{"hour": 8, "minute": 38}
